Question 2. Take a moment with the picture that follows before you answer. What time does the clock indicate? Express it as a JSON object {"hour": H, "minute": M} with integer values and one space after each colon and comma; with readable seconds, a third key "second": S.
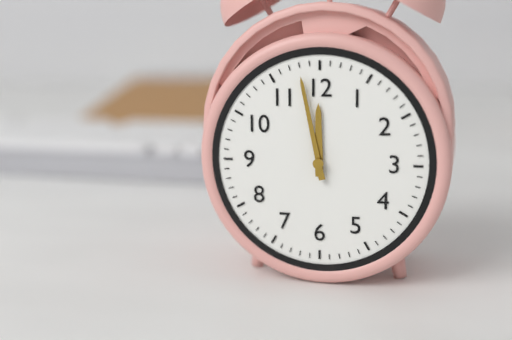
{"hour": 11, "minute": 58}
